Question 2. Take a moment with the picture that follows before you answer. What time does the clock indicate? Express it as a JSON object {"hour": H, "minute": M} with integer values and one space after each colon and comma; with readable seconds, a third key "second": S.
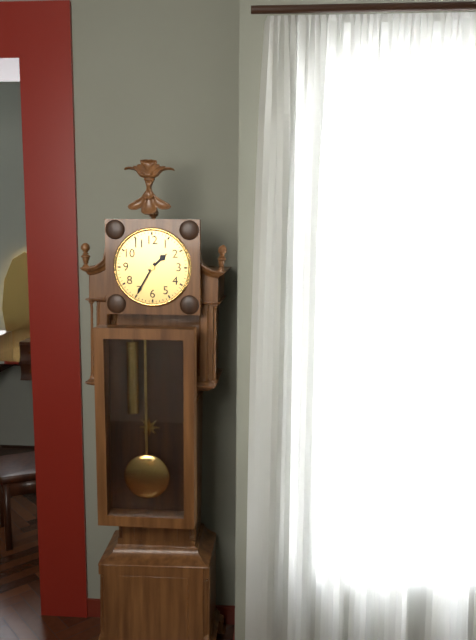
{"hour": 1, "minute": 35}
